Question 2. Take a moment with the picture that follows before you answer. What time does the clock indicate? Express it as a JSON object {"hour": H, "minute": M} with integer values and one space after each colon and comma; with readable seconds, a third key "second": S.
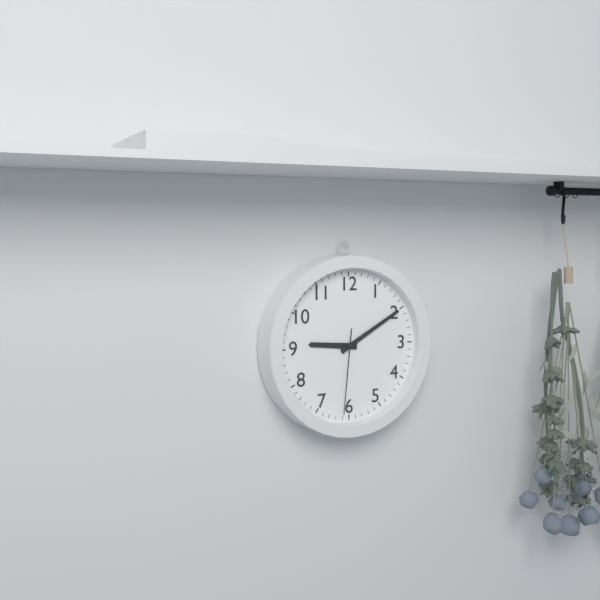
{"hour": 9, "minute": 10, "second": 31}
